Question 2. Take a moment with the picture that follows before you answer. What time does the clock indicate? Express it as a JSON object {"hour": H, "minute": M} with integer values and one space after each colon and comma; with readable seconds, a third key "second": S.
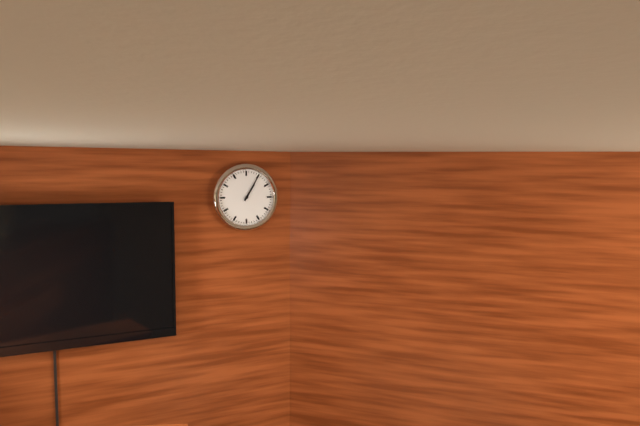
{"hour": 1, "minute": 5}
